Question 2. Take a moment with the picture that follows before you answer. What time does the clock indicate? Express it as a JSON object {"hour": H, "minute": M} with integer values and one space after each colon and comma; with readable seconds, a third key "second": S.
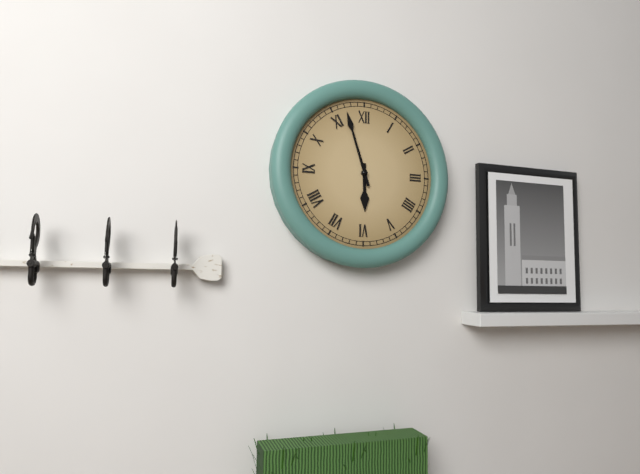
{"hour": 5, "minute": 57}
